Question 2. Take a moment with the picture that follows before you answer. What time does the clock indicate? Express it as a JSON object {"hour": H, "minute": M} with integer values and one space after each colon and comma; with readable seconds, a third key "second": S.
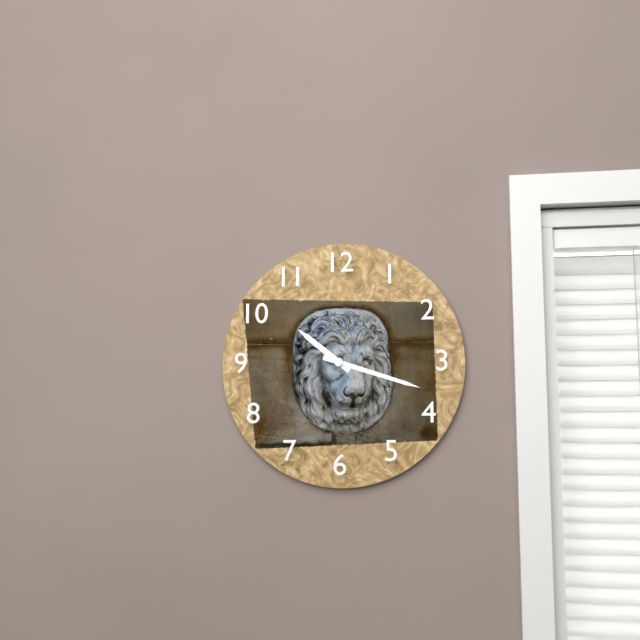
{"hour": 10, "minute": 18}
